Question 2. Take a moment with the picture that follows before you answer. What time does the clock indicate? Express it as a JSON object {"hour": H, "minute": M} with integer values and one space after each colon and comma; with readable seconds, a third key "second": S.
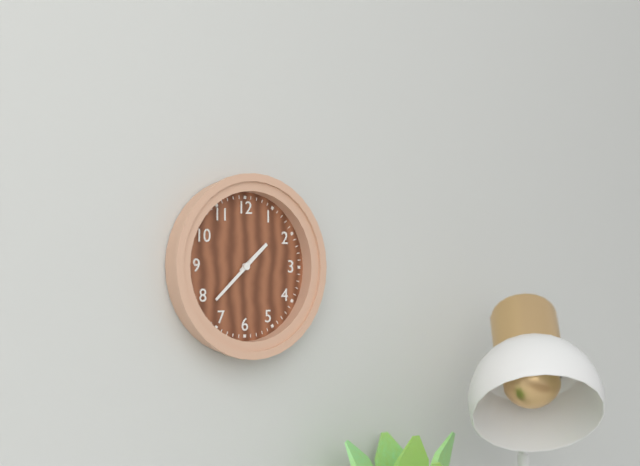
{"hour": 1, "minute": 38}
